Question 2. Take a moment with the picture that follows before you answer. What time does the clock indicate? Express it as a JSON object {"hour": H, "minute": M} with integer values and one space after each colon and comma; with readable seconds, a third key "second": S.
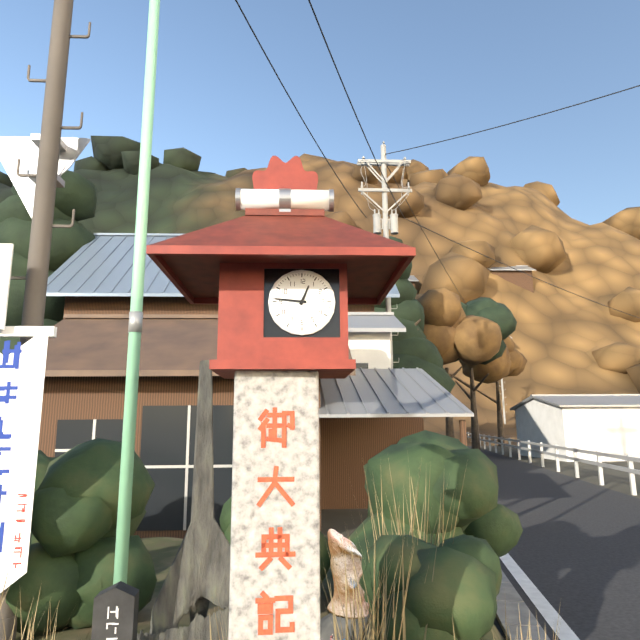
{"hour": 12, "minute": 46}
